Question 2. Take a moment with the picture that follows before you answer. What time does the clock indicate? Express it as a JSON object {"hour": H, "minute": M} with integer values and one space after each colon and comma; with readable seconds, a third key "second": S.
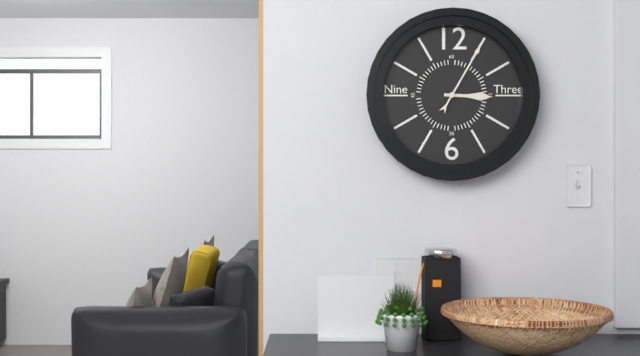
{"hour": 3, "minute": 5}
